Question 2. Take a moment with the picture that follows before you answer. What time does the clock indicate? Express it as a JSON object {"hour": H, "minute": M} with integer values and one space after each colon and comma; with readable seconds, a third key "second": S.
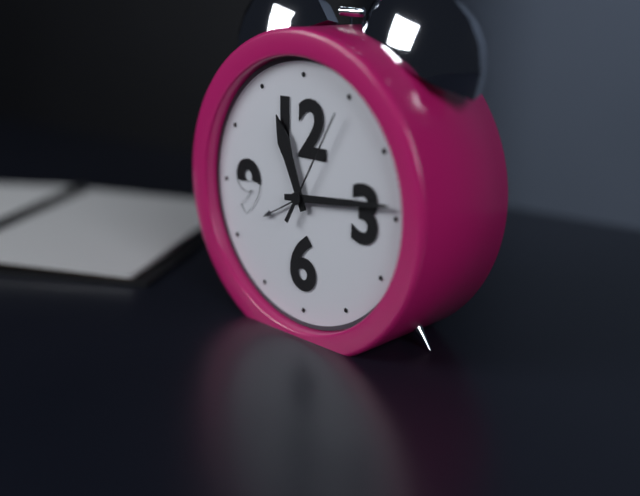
{"hour": 11, "minute": 14, "second": 5}
